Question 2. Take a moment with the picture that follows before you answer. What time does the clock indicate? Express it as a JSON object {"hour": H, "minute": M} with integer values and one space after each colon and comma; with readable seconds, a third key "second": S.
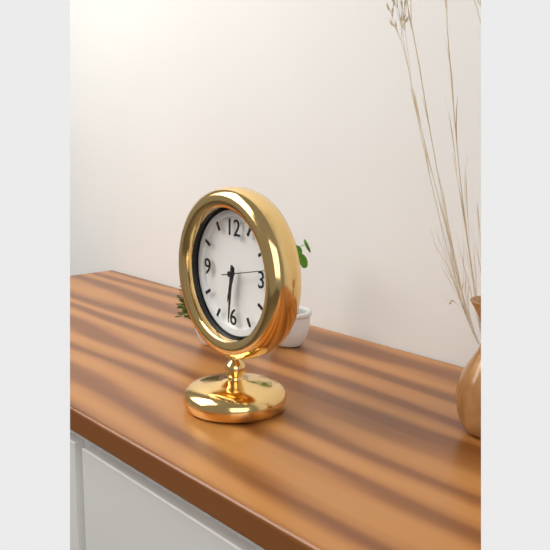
{"hour": 6, "minute": 31}
